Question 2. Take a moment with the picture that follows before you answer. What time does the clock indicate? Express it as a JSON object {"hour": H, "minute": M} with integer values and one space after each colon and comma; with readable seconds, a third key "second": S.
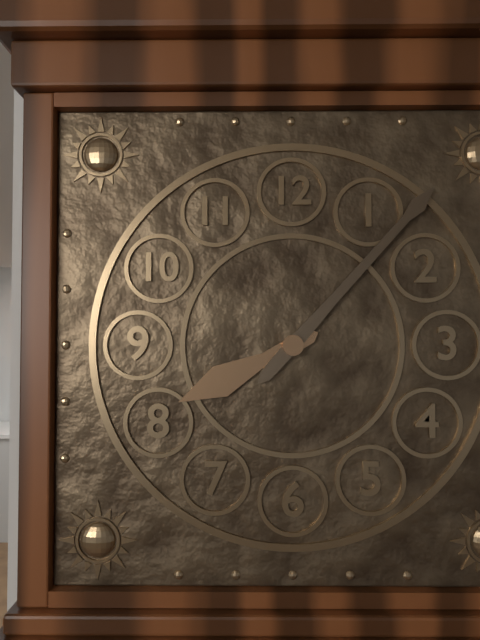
{"hour": 8, "minute": 7}
